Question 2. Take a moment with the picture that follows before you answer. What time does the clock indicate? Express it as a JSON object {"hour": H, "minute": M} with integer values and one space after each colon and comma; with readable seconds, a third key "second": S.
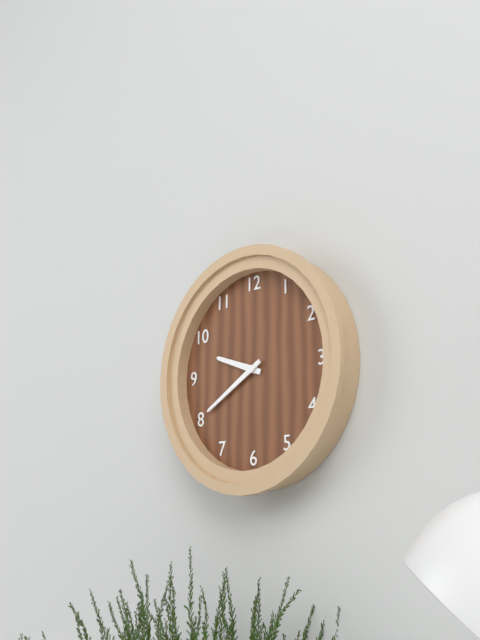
{"hour": 9, "minute": 40}
